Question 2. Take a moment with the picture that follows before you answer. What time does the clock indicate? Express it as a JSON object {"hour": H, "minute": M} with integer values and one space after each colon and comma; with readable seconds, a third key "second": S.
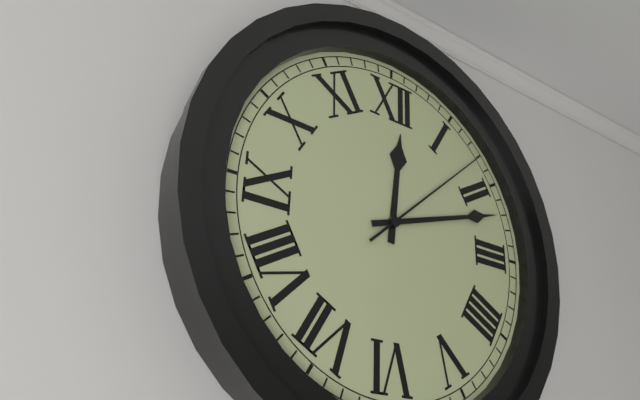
{"hour": 12, "minute": 12, "second": 8}
